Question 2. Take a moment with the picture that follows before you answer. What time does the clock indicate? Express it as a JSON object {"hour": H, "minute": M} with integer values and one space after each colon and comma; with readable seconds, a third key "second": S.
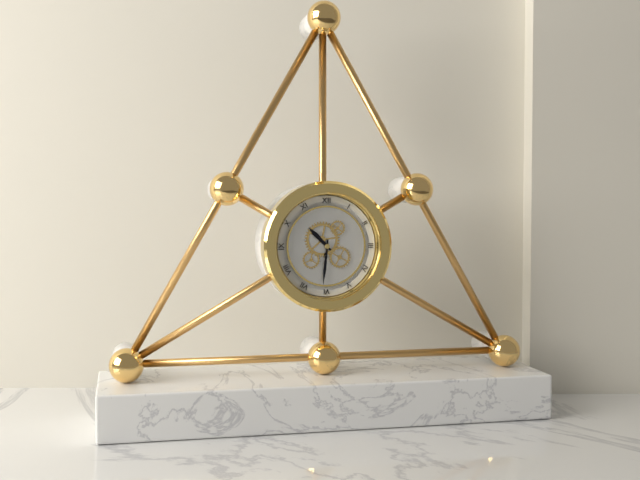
{"hour": 10, "minute": 31}
